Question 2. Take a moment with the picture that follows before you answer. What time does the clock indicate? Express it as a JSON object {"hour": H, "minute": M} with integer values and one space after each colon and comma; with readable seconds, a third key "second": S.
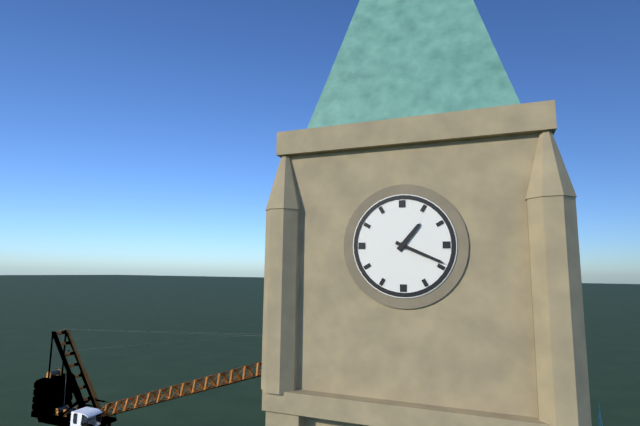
{"hour": 1, "minute": 19}
